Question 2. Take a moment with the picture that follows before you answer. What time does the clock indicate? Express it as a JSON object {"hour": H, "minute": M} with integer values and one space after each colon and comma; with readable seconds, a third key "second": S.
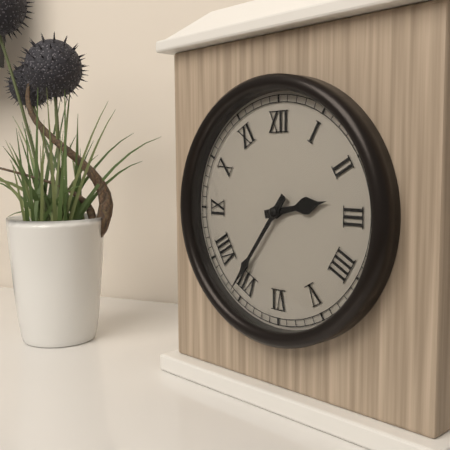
{"hour": 2, "minute": 36}
